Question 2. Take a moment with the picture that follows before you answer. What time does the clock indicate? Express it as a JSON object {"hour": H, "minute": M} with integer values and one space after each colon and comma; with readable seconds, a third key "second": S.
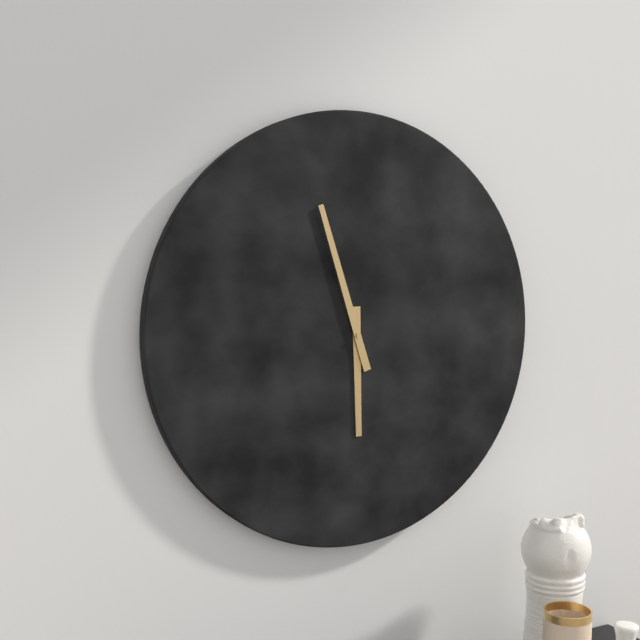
{"hour": 5, "minute": 57}
